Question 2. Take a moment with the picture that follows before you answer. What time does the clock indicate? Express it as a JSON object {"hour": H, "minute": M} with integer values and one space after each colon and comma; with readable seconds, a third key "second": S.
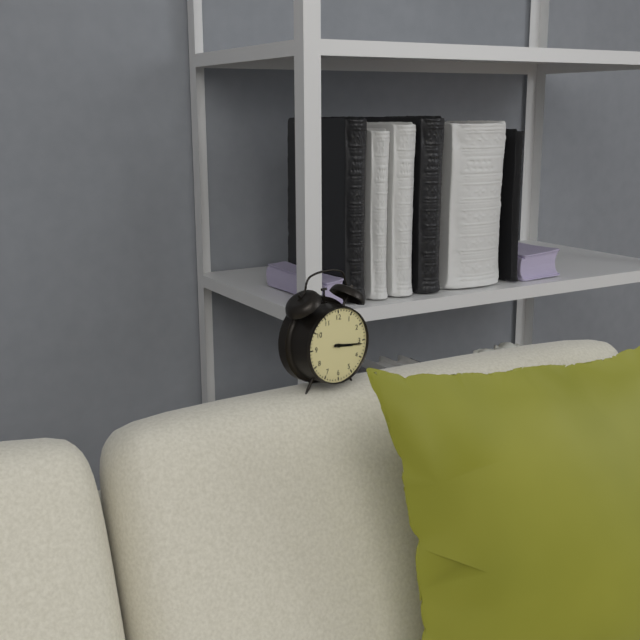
{"hour": 3, "minute": 16}
